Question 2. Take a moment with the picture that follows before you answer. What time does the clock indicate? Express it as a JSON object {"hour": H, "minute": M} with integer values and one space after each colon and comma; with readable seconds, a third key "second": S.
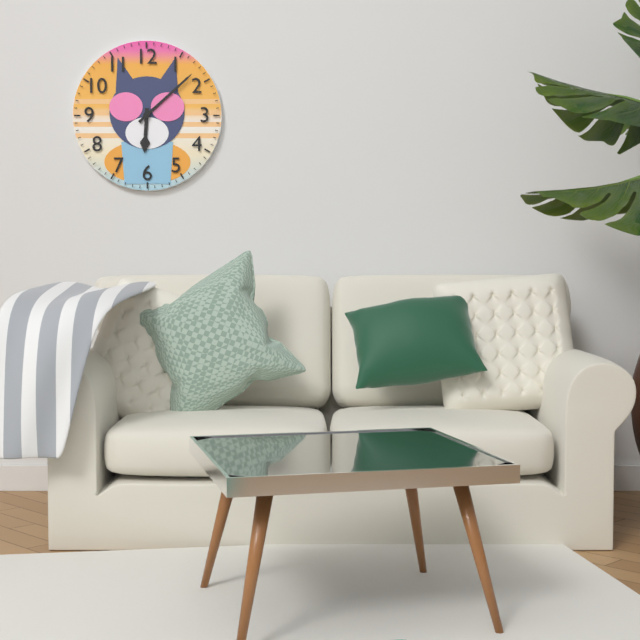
{"hour": 6, "minute": 8}
